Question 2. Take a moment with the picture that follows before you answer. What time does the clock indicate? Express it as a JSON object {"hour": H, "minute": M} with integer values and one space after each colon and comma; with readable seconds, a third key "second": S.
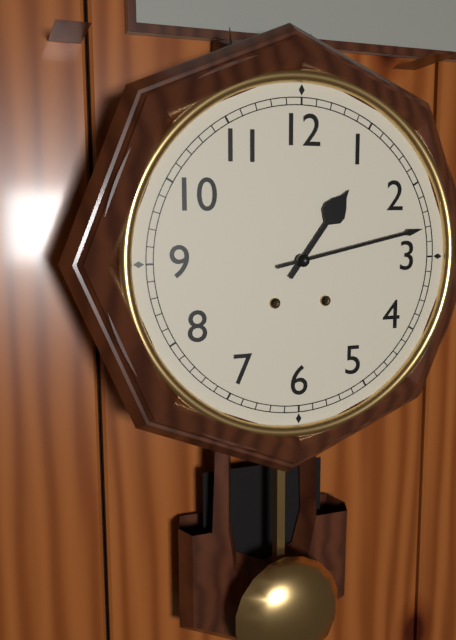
{"hour": 1, "minute": 13}
